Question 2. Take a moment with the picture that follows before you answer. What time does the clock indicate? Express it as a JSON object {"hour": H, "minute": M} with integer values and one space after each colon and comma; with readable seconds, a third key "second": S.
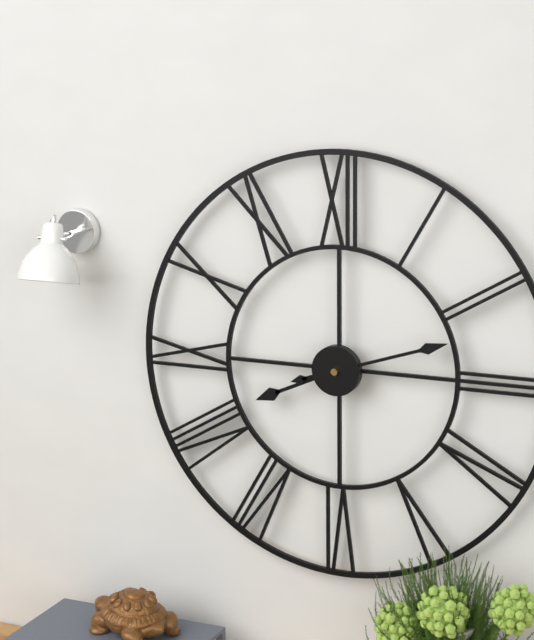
{"hour": 8, "minute": 12}
